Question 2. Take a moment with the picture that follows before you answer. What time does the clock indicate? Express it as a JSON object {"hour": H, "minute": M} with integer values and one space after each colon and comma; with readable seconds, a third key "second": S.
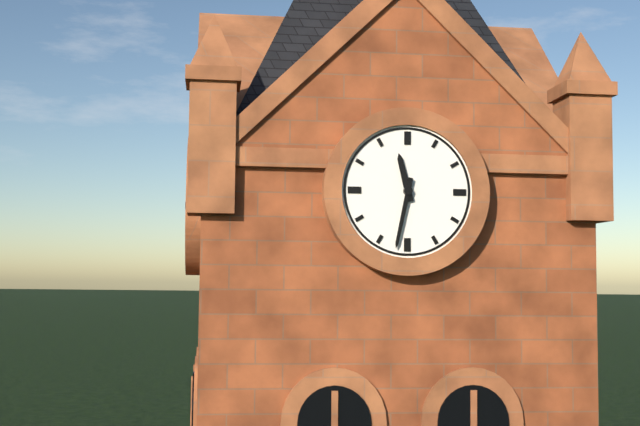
{"hour": 11, "minute": 32}
